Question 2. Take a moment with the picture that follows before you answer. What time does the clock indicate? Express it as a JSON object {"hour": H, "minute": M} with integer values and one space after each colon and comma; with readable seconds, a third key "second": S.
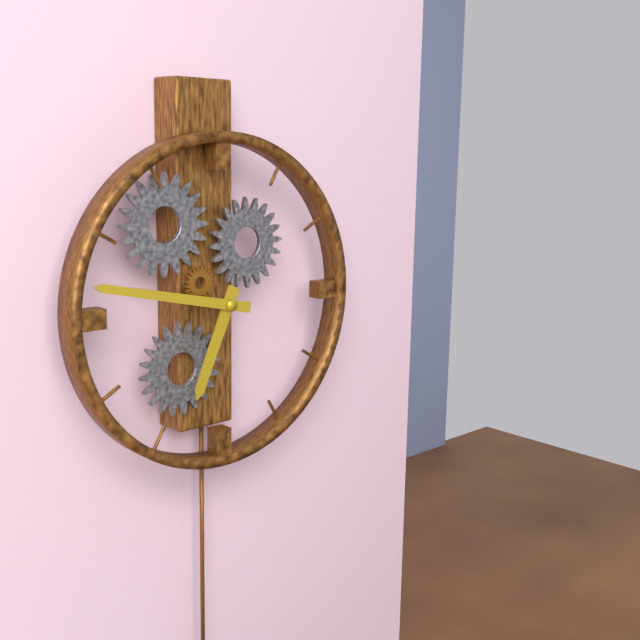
{"hour": 6, "minute": 47}
